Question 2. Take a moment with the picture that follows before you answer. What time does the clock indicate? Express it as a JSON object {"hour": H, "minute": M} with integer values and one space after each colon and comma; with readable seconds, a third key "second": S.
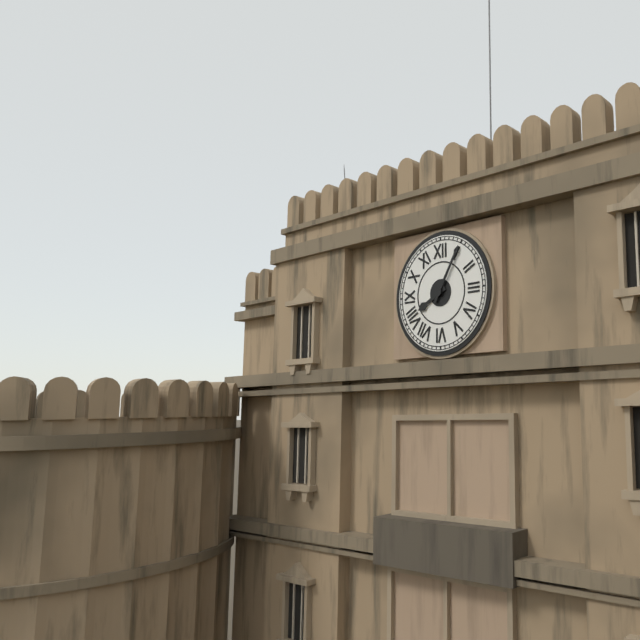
{"hour": 8, "minute": 5}
